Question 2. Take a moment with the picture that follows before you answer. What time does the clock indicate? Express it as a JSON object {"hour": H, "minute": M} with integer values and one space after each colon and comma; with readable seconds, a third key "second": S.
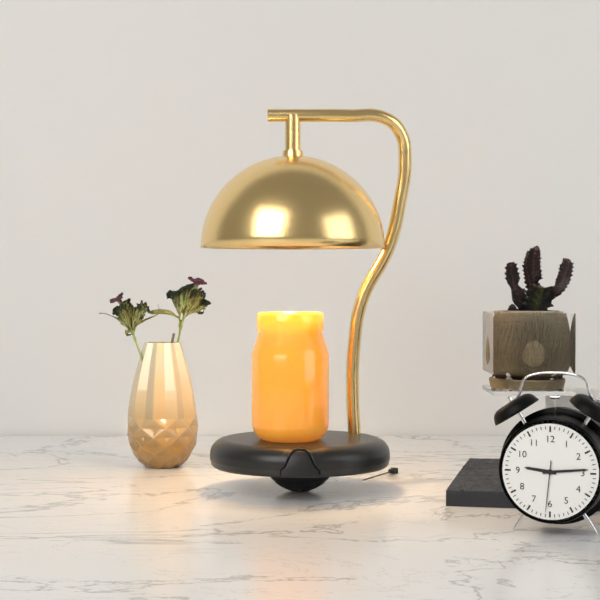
{"hour": 9, "minute": 14, "second": 31}
